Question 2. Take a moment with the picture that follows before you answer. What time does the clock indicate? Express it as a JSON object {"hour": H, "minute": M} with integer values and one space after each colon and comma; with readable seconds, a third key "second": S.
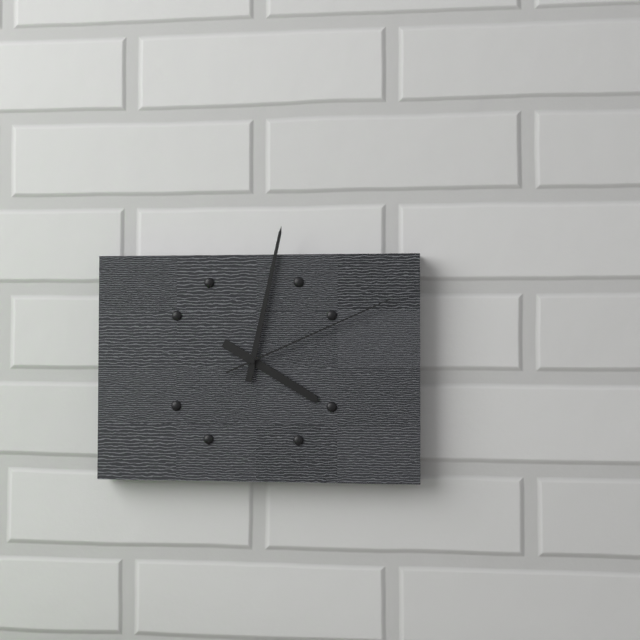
{"hour": 4, "minute": 2, "second": 11}
